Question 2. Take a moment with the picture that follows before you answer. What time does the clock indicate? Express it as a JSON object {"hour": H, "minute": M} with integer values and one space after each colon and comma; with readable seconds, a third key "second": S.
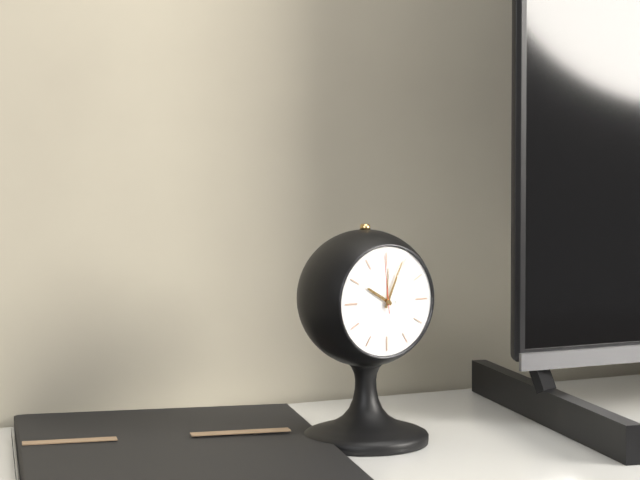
{"hour": 10, "minute": 4, "second": 59}
